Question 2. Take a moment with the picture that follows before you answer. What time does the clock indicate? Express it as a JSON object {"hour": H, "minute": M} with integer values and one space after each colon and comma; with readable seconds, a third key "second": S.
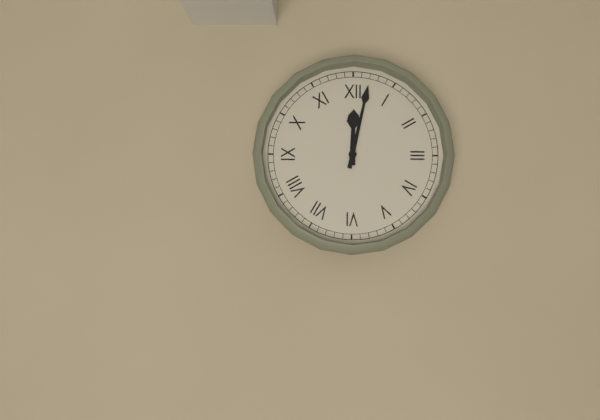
{"hour": 12, "minute": 2}
